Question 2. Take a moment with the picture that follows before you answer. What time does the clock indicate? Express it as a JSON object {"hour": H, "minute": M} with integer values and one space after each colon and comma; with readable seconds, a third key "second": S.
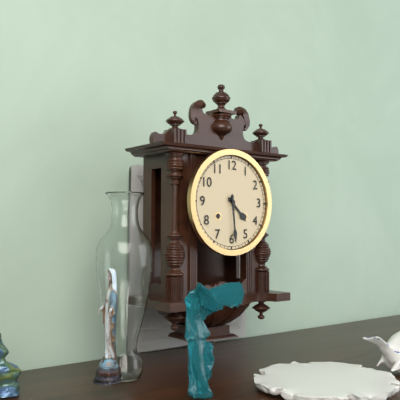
{"hour": 4, "minute": 29}
